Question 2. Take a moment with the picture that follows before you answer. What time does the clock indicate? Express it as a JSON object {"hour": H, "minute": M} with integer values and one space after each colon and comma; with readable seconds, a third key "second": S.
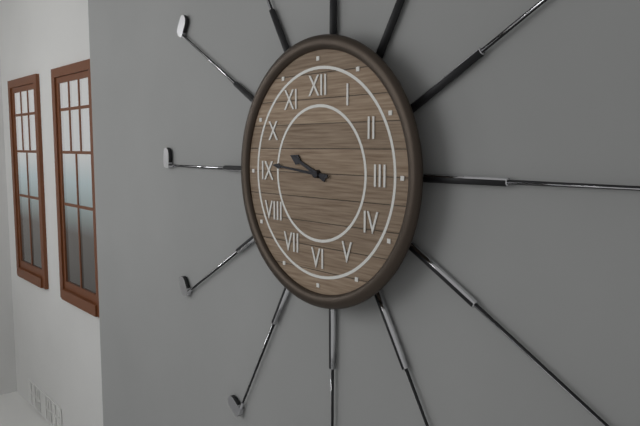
{"hour": 9, "minute": 46}
